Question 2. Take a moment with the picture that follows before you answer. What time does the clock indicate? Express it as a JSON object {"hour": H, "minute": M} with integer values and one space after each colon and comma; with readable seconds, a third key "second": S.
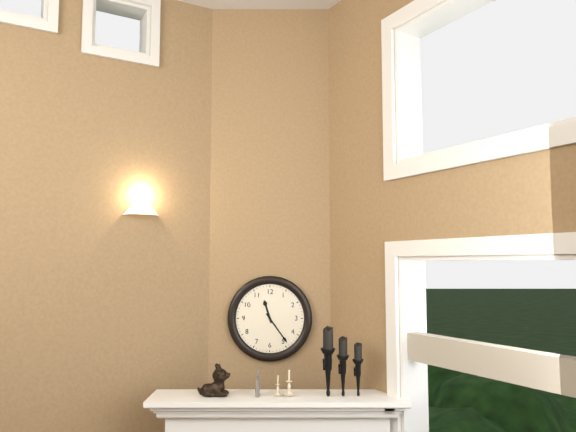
{"hour": 11, "minute": 24}
